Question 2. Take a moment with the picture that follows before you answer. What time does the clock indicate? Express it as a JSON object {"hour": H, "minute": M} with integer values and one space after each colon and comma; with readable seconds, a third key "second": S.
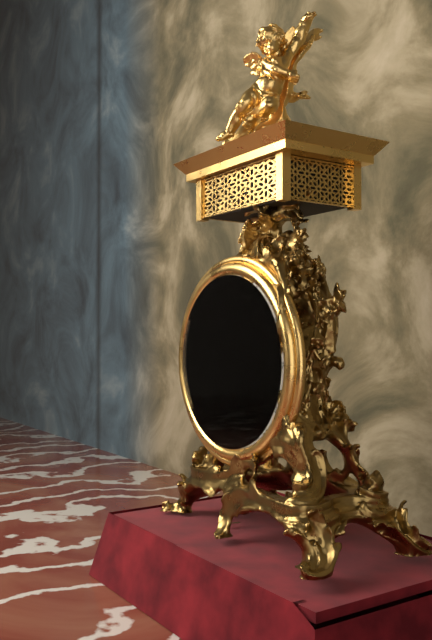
{"hour": 10, "minute": 52}
